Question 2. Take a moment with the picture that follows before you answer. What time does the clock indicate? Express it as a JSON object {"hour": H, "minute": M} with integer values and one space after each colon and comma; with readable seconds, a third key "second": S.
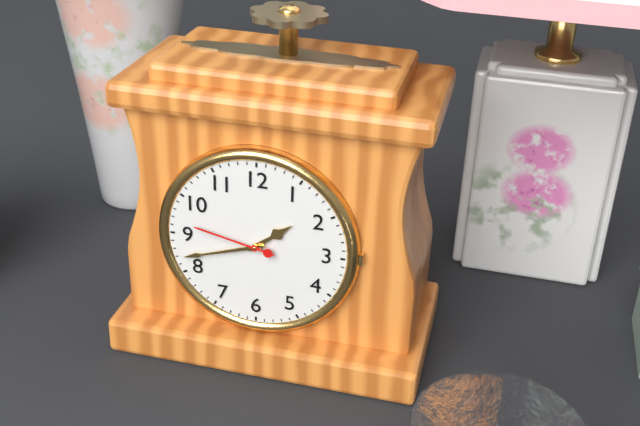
{"hour": 1, "minute": 42, "second": 47}
